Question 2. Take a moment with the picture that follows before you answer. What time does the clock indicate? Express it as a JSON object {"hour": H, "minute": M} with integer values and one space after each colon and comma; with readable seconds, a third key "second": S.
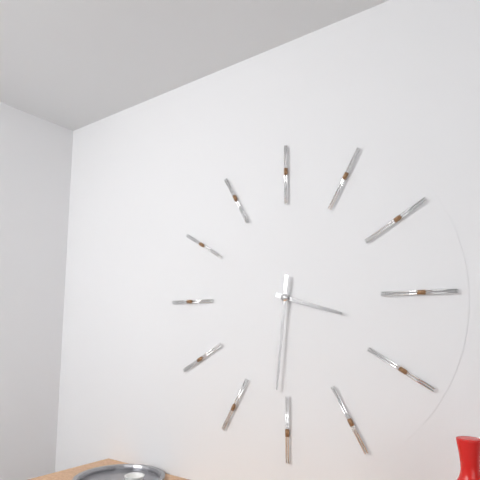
{"hour": 3, "minute": 31}
